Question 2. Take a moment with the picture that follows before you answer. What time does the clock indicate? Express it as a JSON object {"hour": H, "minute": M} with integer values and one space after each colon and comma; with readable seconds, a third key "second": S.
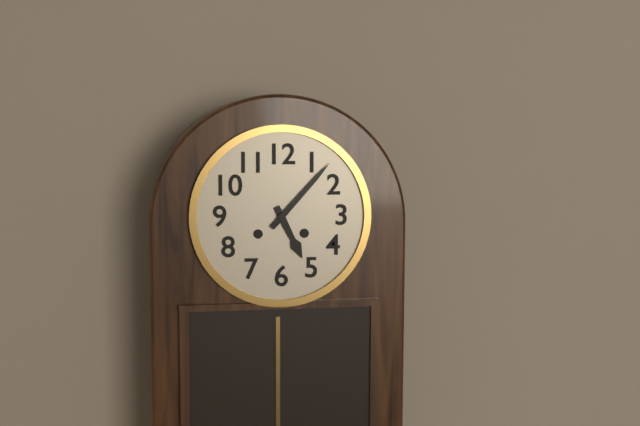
{"hour": 5, "minute": 7}
